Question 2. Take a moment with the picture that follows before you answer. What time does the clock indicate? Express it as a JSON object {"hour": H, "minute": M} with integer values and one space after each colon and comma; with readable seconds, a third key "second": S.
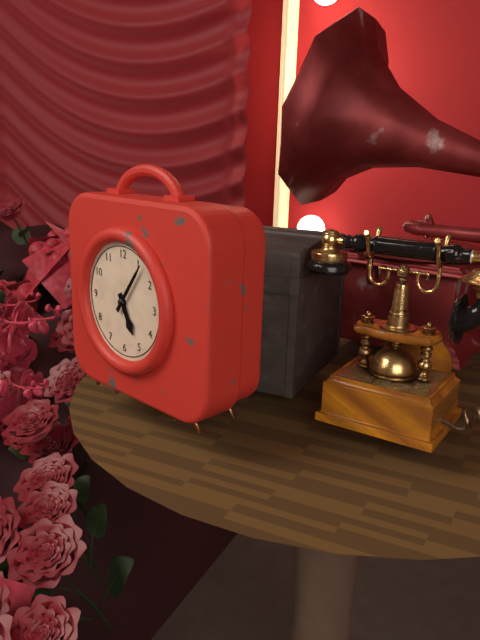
{"hour": 5, "minute": 6}
